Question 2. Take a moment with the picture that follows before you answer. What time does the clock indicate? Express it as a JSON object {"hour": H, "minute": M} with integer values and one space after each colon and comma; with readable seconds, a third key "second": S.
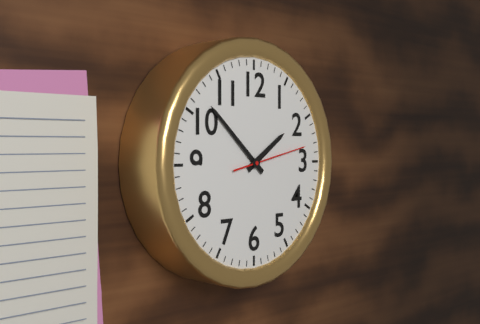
{"hour": 1, "minute": 52, "second": 13}
